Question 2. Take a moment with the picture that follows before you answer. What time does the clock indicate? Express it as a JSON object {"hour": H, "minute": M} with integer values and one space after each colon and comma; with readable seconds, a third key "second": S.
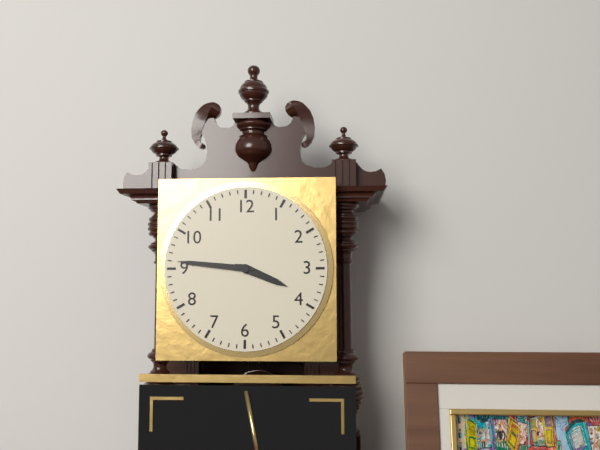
{"hour": 3, "minute": 46}
